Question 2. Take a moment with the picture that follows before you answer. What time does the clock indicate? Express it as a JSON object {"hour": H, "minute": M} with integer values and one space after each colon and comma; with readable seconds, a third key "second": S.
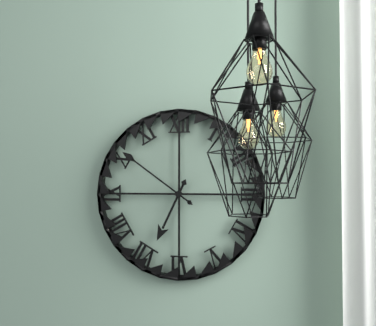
{"hour": 6, "minute": 51}
